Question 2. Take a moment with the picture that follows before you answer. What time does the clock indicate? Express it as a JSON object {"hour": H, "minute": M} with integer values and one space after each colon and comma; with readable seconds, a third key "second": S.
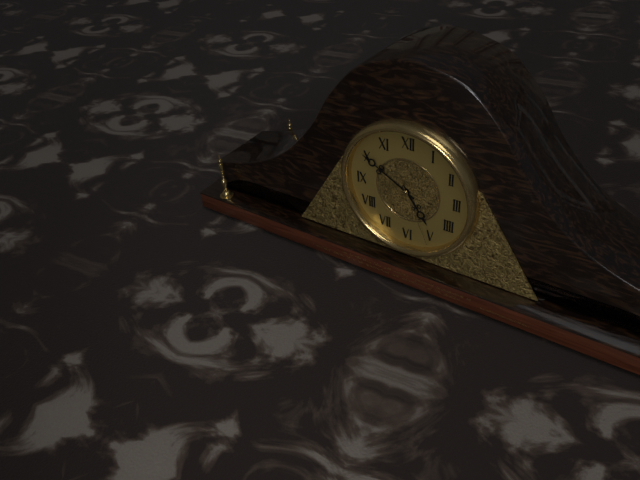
{"hour": 4, "minute": 50, "second": 26}
